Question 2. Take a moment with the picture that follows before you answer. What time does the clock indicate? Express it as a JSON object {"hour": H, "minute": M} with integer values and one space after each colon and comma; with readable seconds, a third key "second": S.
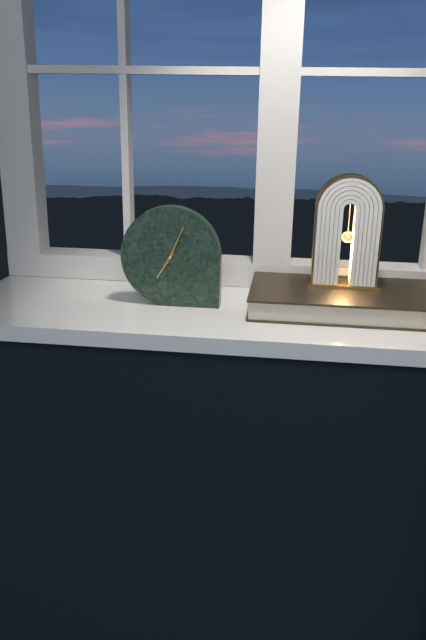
{"hour": 7, "minute": 4}
